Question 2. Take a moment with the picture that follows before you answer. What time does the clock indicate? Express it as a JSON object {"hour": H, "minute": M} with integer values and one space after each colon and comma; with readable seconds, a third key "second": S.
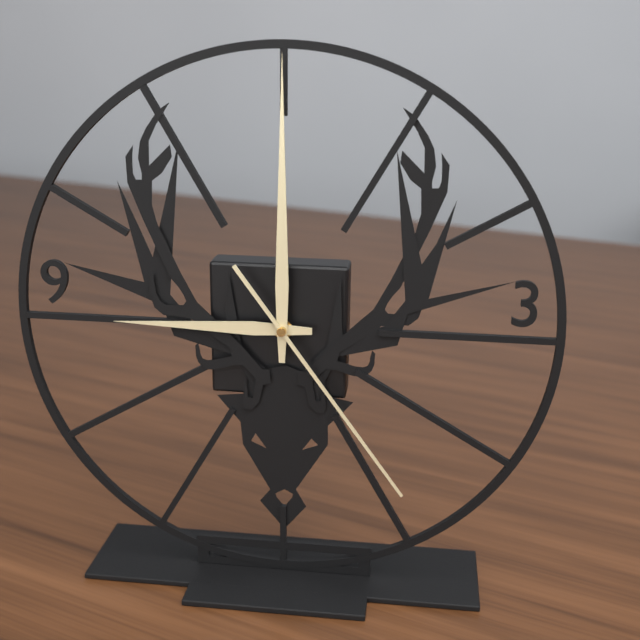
{"hour": 9, "minute": 0, "second": 24}
